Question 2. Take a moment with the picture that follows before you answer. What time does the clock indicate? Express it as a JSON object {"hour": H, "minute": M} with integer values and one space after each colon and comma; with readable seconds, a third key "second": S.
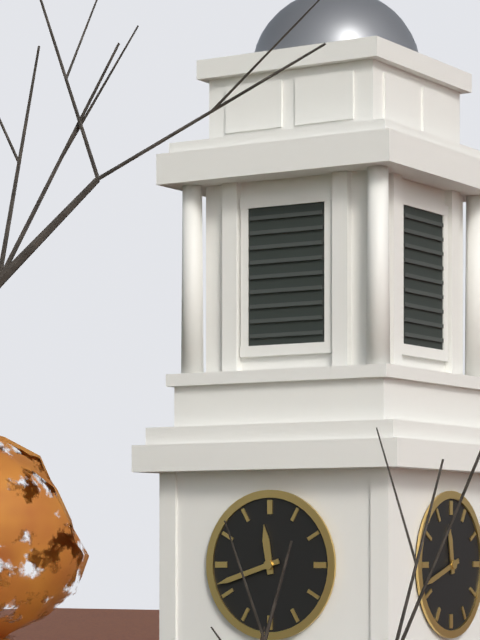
{"hour": 11, "minute": 42}
